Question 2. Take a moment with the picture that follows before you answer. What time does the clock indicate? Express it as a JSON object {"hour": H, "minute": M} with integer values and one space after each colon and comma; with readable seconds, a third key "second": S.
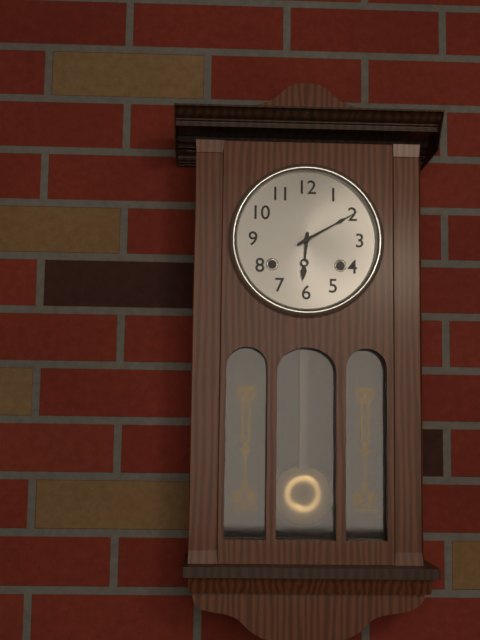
{"hour": 6, "minute": 10}
